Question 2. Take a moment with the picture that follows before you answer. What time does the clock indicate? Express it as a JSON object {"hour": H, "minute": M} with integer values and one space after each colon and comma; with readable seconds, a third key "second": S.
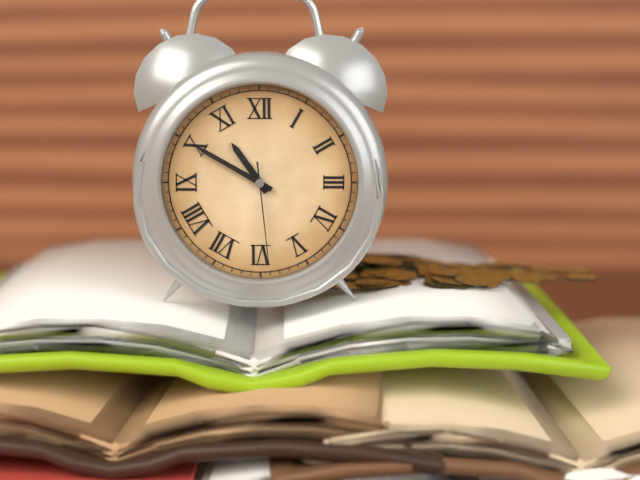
{"hour": 10, "minute": 50, "second": 29}
